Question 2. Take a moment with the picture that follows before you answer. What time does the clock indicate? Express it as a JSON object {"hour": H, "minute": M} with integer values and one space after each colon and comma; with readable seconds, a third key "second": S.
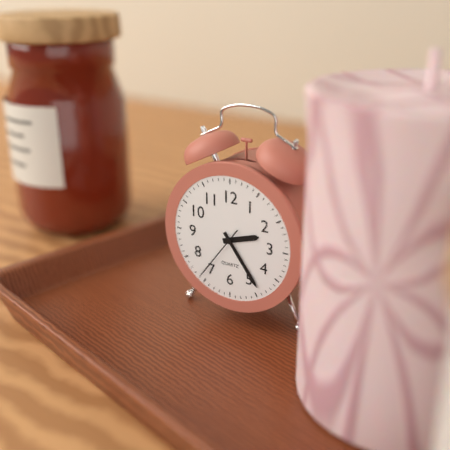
{"hour": 2, "minute": 24, "second": 36}
